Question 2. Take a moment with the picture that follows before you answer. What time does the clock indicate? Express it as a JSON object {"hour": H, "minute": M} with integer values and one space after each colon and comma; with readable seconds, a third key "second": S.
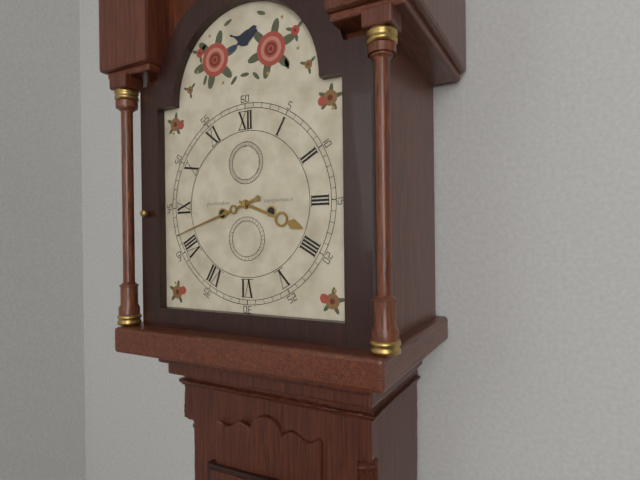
{"hour": 3, "minute": 42}
